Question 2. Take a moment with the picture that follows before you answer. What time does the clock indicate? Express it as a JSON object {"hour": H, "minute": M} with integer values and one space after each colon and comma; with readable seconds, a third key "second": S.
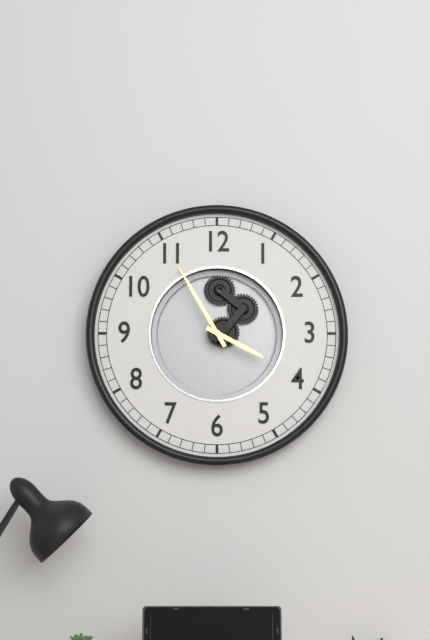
{"hour": 3, "minute": 55}
